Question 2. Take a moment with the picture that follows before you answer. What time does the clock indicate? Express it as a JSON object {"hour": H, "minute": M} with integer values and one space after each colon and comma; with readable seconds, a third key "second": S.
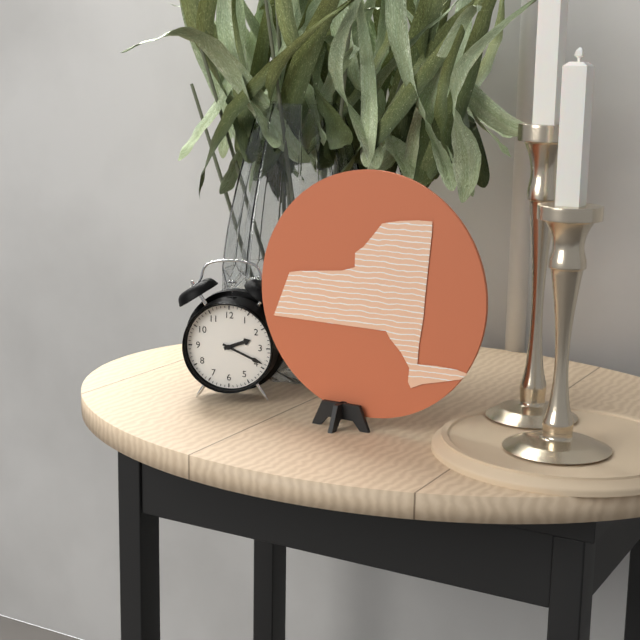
{"hour": 2, "minute": 19}
